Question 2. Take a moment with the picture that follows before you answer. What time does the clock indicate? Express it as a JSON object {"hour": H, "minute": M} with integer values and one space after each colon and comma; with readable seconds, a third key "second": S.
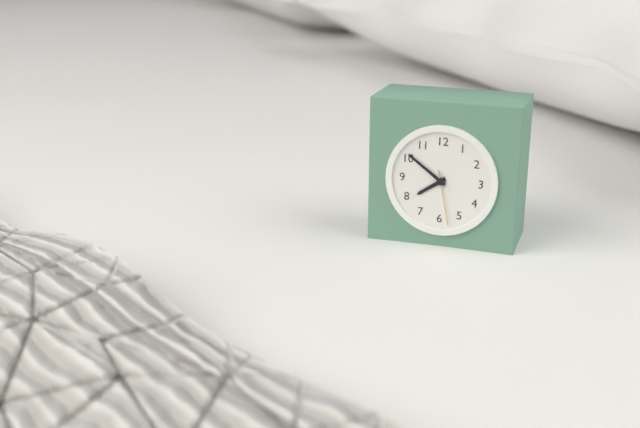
{"hour": 7, "minute": 51, "second": 28}
